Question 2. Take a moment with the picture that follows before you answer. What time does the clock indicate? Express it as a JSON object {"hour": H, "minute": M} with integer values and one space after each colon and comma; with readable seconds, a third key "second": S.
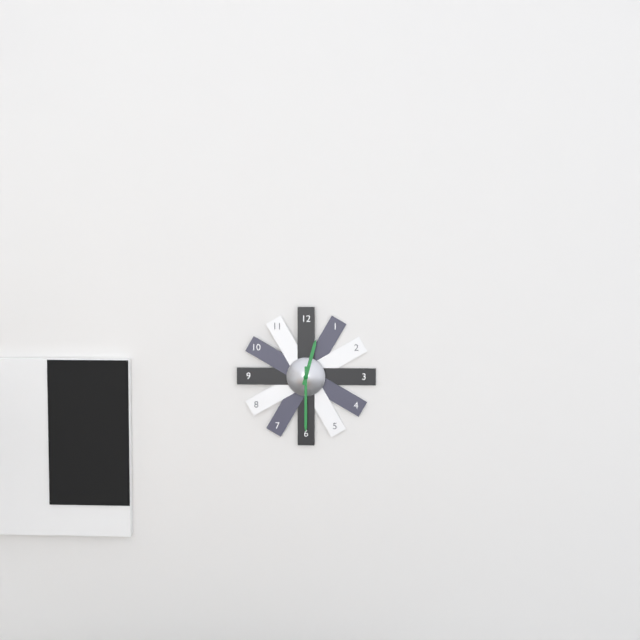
{"hour": 12, "minute": 30}
